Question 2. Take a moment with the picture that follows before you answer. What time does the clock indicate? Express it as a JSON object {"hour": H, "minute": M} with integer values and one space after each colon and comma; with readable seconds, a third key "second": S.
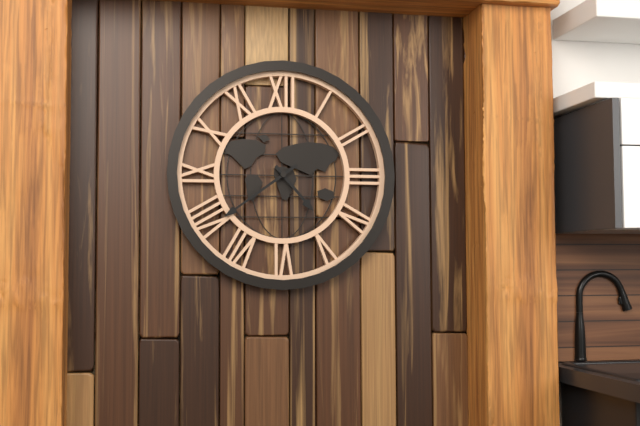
{"hour": 4, "minute": 39}
